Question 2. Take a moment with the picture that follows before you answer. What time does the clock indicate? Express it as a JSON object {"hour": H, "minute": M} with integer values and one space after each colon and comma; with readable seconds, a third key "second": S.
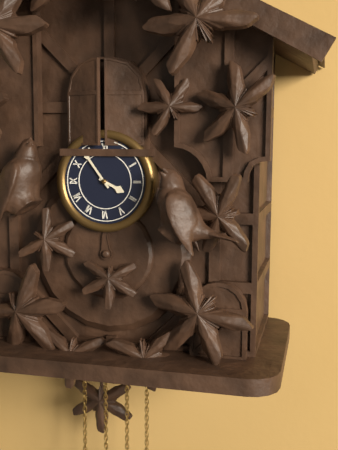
{"hour": 3, "minute": 54}
